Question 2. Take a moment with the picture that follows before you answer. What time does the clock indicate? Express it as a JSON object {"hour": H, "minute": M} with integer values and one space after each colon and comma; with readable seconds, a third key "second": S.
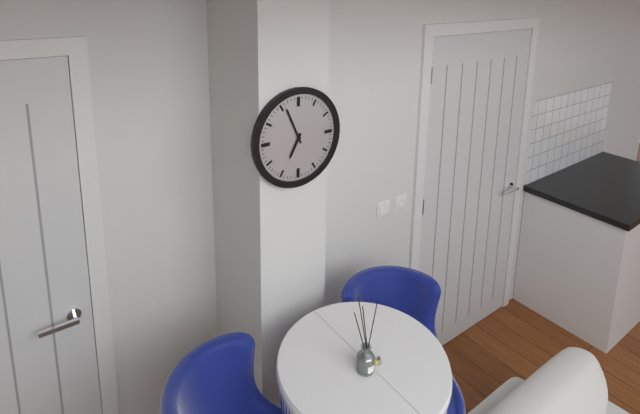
{"hour": 6, "minute": 56}
